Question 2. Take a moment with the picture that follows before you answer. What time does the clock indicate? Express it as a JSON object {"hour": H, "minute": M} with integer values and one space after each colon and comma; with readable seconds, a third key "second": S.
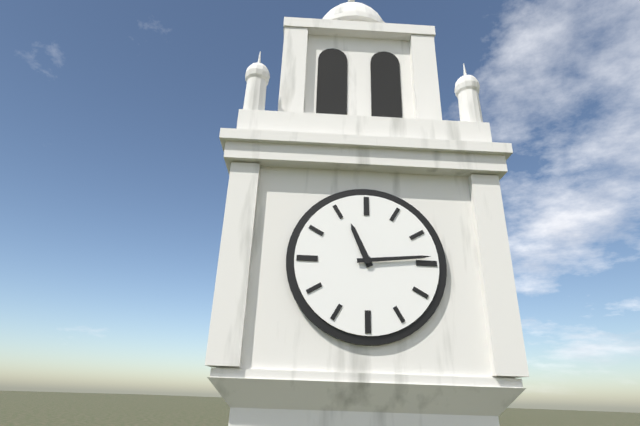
{"hour": 11, "minute": 14}
